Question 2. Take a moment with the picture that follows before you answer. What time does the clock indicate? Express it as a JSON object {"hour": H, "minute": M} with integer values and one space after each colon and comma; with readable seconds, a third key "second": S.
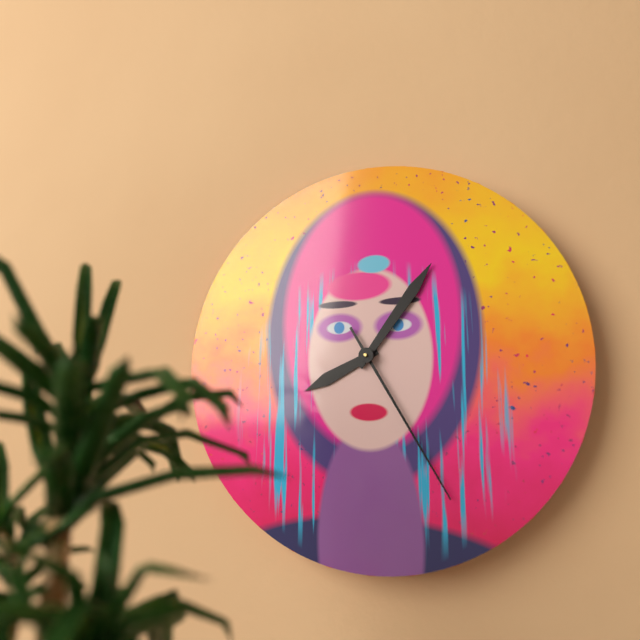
{"hour": 8, "minute": 6, "second": 25}
